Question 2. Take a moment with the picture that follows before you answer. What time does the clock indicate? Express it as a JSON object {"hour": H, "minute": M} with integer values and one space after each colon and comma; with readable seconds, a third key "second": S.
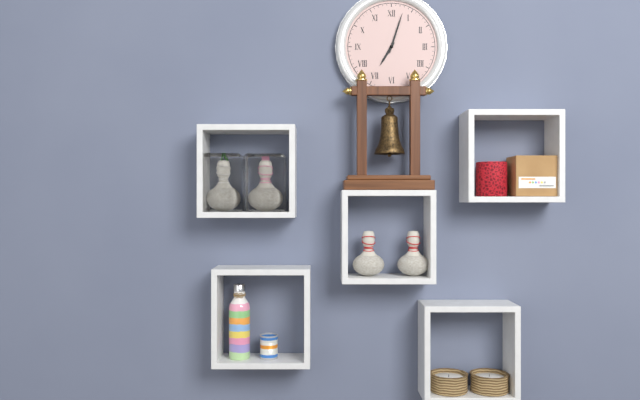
{"hour": 7, "minute": 3}
